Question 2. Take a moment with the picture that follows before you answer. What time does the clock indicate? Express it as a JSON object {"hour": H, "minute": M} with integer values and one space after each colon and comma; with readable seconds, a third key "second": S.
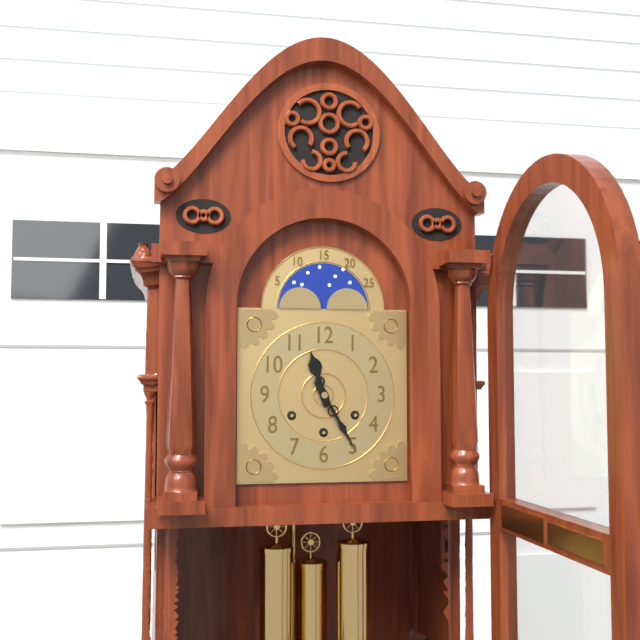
{"hour": 11, "minute": 25}
